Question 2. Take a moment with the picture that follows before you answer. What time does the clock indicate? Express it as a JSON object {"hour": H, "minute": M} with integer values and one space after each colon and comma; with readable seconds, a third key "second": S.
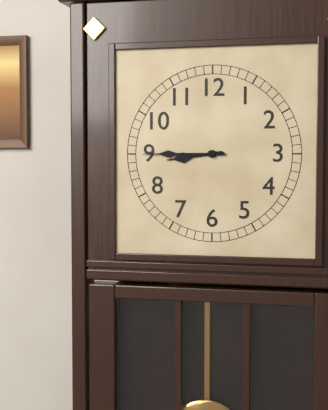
{"hour": 8, "minute": 45}
